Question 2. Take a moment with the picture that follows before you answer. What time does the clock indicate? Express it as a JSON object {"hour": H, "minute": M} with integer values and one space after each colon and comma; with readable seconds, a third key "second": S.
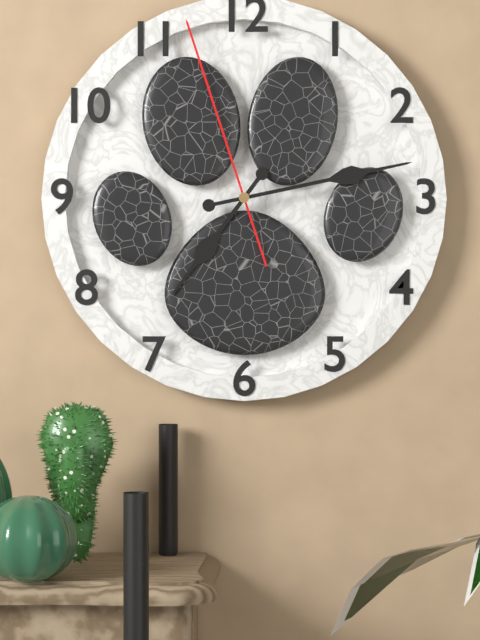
{"hour": 7, "minute": 13, "second": 57}
